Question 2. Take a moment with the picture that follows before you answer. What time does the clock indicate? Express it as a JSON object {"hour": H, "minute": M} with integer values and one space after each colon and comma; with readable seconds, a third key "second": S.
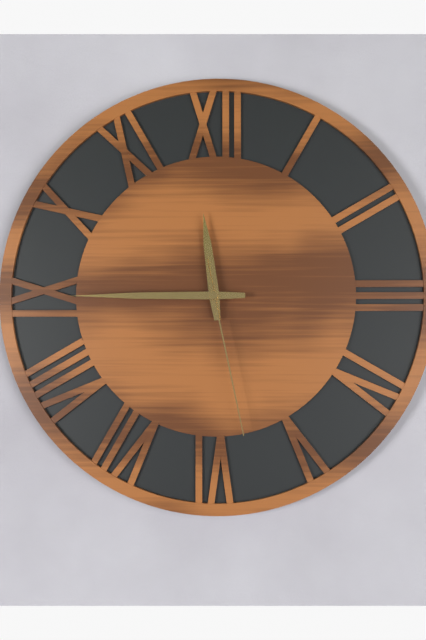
{"hour": 11, "minute": 45, "second": 28}
